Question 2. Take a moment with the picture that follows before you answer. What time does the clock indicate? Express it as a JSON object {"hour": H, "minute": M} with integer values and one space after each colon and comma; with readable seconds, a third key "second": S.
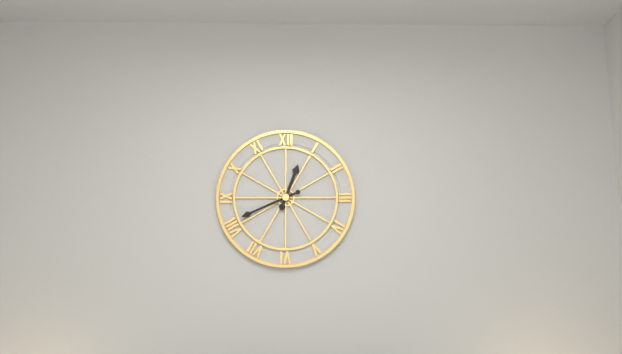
{"hour": 12, "minute": 41}
